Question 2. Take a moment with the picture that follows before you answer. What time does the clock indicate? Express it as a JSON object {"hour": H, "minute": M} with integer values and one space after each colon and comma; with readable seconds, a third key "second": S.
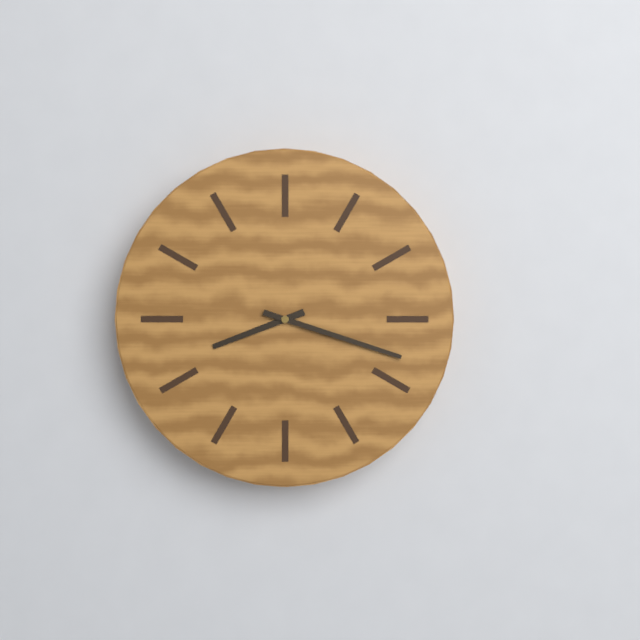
{"hour": 8, "minute": 18}
